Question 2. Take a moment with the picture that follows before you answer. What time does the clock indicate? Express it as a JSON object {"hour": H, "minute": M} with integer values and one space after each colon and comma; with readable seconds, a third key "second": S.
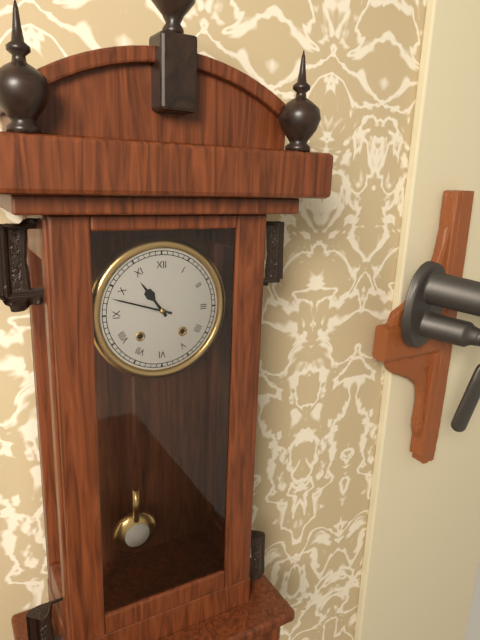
{"hour": 10, "minute": 48}
